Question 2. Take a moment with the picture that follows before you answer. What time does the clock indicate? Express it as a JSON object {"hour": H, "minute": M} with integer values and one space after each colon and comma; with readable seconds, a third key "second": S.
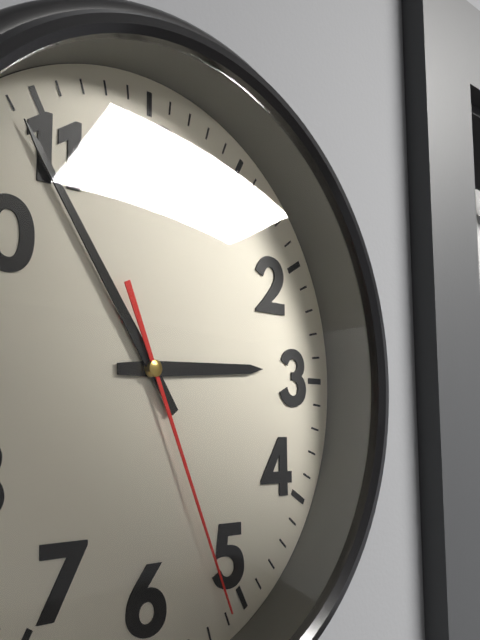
{"hour": 2, "minute": 54, "second": 26}
